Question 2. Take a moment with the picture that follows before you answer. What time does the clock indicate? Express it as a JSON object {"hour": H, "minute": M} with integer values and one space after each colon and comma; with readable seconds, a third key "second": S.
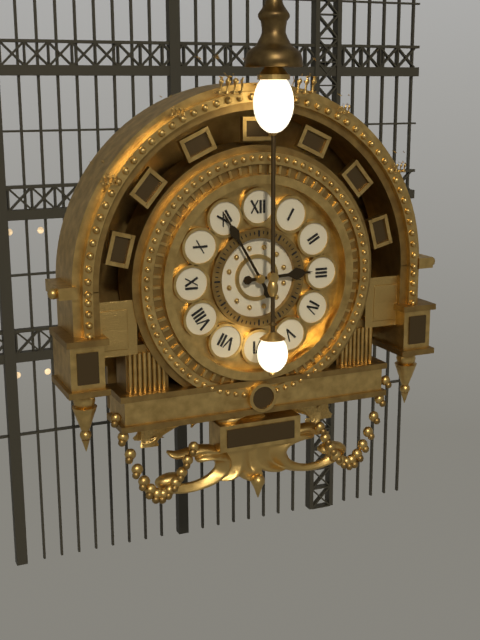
{"hour": 2, "minute": 55}
